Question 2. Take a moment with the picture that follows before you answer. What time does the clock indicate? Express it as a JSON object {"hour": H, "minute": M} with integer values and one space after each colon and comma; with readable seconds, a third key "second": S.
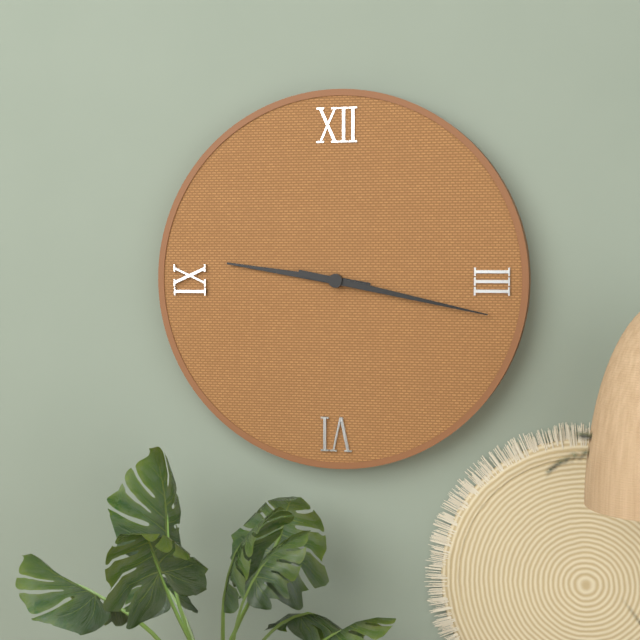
{"hour": 9, "minute": 17}
